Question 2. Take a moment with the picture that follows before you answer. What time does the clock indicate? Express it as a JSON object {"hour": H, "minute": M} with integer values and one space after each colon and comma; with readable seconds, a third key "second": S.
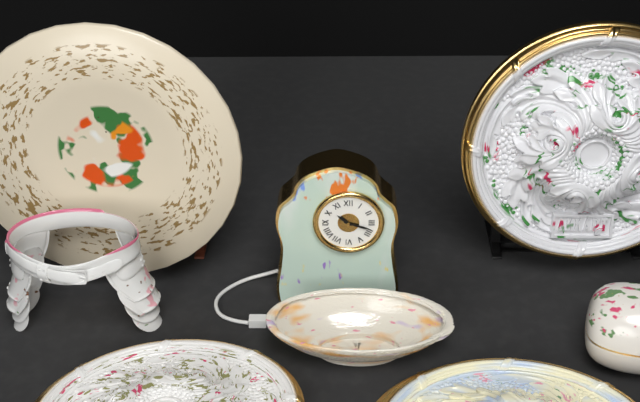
{"hour": 10, "minute": 18}
